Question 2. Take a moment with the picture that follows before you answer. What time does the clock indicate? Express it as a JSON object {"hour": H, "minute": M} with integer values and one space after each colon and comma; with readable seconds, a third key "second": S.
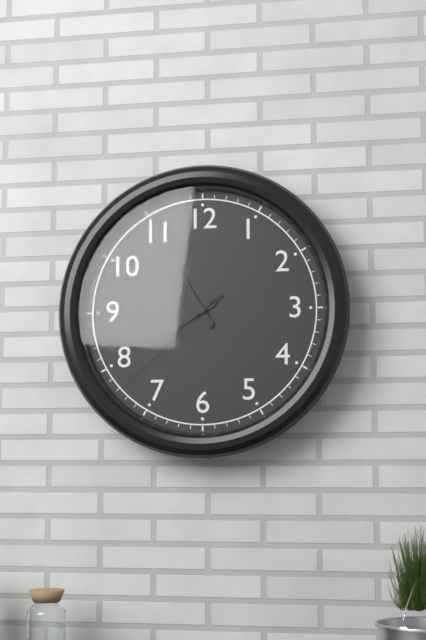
{"hour": 7, "minute": 55, "second": 38}
